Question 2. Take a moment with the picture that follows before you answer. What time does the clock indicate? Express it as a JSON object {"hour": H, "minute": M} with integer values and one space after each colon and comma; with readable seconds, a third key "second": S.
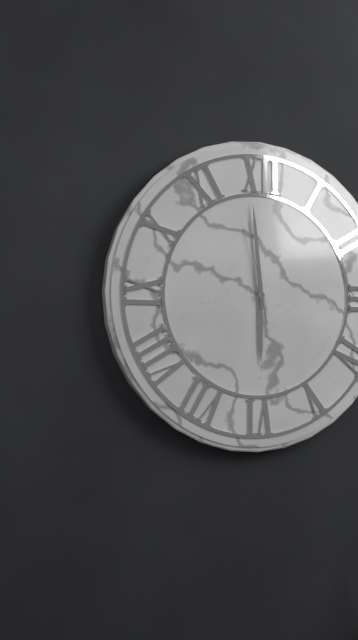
{"hour": 5, "minute": 59, "second": 58}
